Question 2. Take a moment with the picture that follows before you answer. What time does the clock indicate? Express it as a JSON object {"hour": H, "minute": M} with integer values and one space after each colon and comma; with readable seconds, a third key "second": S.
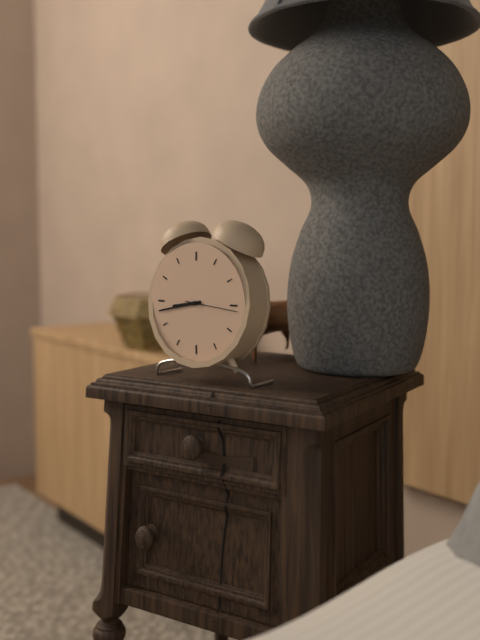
{"hour": 8, "minute": 43, "second": 16}
